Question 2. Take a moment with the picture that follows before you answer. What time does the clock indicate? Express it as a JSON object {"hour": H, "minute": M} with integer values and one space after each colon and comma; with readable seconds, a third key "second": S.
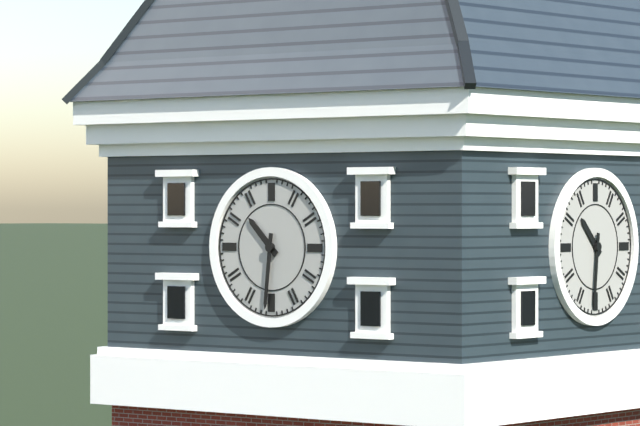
{"hour": 10, "minute": 31}
